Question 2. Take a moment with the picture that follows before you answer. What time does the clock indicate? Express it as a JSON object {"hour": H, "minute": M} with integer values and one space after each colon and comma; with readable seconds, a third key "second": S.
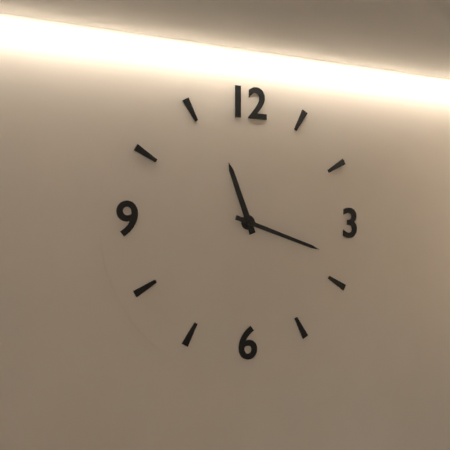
{"hour": 11, "minute": 18}
